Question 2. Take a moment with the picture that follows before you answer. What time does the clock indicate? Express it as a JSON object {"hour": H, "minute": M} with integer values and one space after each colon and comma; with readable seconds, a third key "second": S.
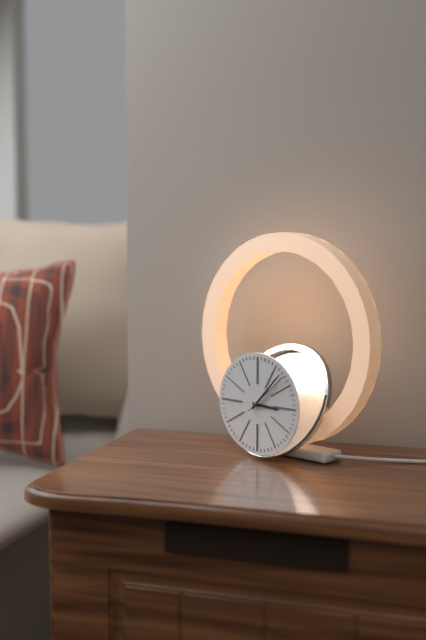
{"hour": 3, "minute": 7}
